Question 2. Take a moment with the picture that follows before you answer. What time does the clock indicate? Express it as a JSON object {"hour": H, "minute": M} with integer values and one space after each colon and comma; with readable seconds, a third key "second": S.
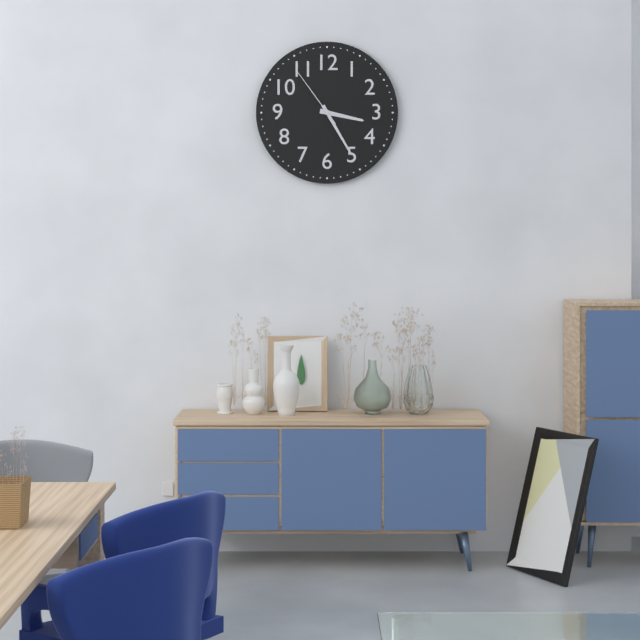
{"hour": 3, "minute": 25, "second": 54}
